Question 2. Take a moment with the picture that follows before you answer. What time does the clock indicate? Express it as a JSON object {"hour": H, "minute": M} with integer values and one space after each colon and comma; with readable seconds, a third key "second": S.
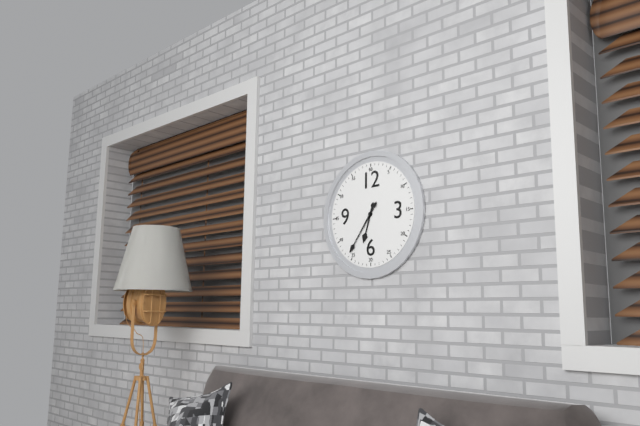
{"hour": 6, "minute": 36}
